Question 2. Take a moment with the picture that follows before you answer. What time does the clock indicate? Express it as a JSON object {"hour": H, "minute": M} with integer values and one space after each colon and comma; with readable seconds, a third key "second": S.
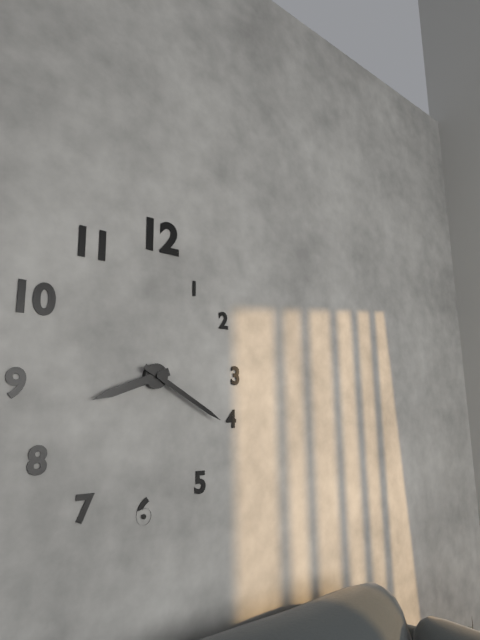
{"hour": 8, "minute": 20}
